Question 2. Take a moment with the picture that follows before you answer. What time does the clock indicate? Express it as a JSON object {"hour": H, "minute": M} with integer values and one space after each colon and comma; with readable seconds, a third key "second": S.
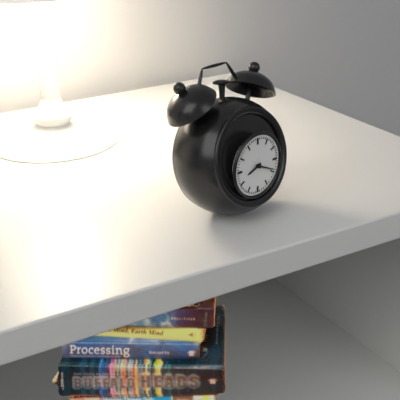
{"hour": 8, "minute": 19}
